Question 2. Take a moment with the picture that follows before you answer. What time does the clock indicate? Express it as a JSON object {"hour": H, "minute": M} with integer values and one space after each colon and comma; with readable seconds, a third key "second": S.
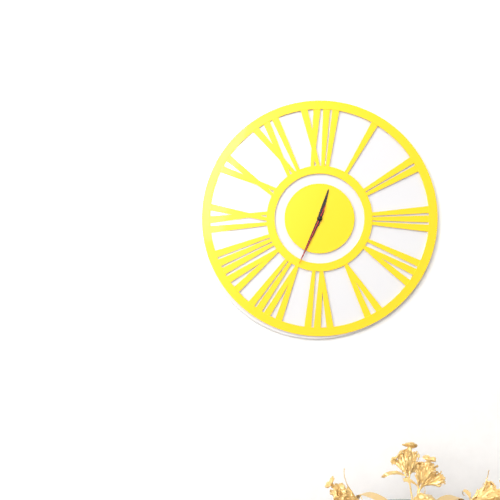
{"hour": 12, "minute": 34, "second": 34}
